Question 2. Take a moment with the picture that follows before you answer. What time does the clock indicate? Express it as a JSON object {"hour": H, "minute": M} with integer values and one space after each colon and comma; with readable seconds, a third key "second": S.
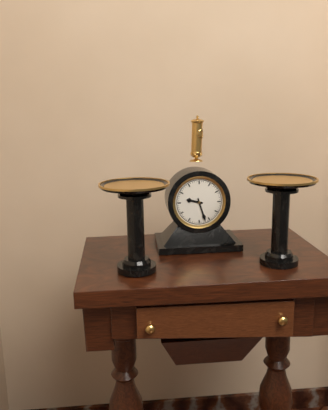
{"hour": 9, "minute": 27}
